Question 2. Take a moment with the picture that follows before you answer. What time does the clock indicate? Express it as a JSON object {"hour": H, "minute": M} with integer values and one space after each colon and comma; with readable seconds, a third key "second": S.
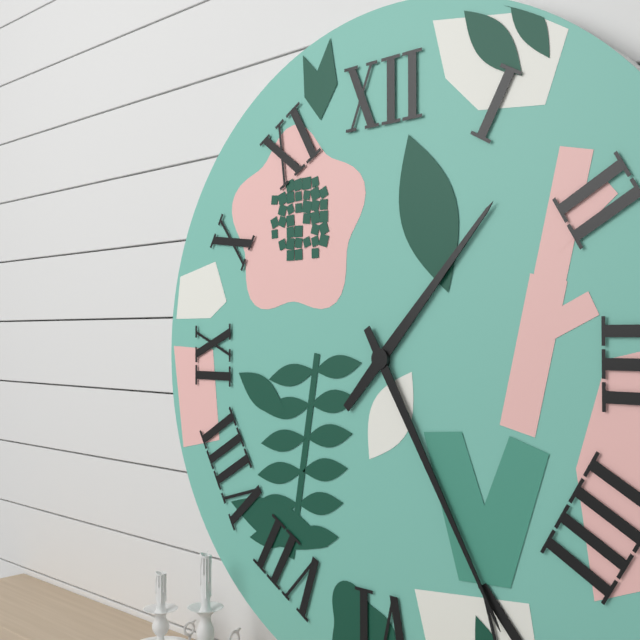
{"hour": 1, "minute": 25}
